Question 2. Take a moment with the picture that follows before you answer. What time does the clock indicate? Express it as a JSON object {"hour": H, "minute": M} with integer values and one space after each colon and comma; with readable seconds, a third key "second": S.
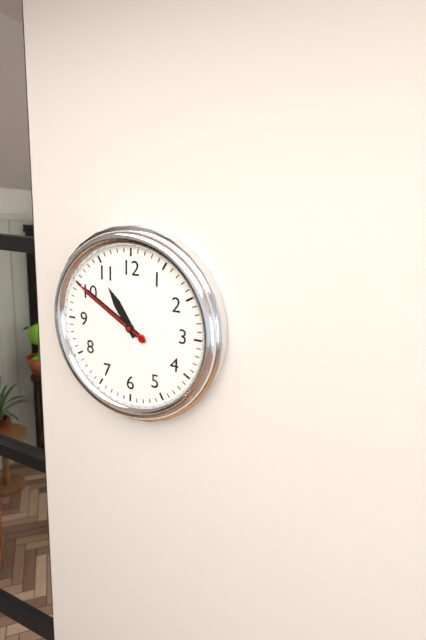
{"hour": 10, "minute": 50, "second": 50}
